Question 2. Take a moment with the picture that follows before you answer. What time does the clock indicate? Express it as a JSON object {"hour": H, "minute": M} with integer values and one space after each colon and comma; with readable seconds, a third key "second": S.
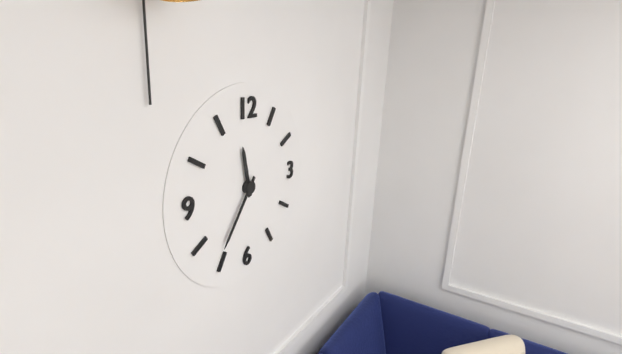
{"hour": 11, "minute": 36}
